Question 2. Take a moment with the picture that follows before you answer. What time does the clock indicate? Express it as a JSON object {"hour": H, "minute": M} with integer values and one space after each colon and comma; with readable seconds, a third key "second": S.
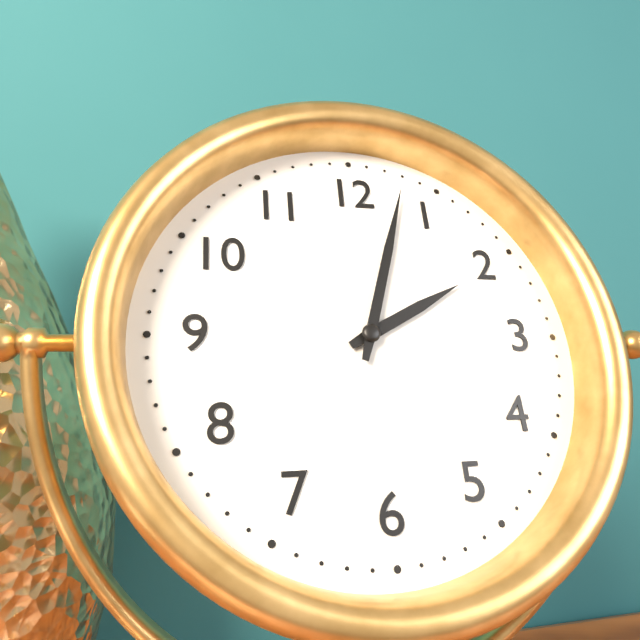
{"hour": 2, "minute": 3}
